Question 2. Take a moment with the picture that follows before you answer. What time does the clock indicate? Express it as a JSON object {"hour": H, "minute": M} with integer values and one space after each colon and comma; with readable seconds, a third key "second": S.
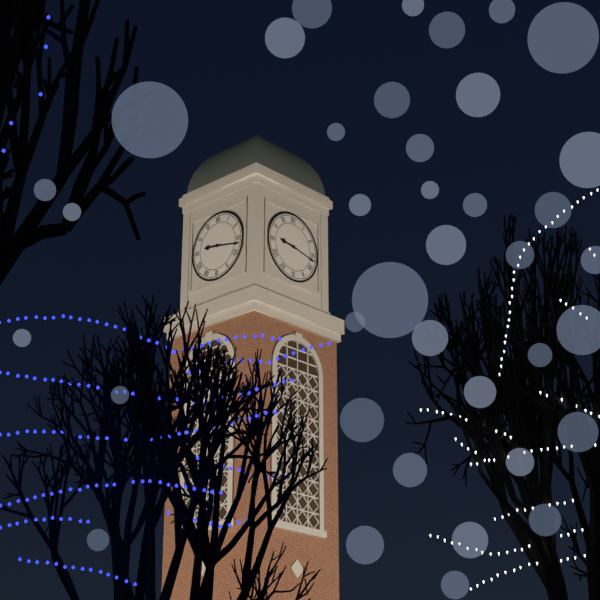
{"hour": 9, "minute": 17}
